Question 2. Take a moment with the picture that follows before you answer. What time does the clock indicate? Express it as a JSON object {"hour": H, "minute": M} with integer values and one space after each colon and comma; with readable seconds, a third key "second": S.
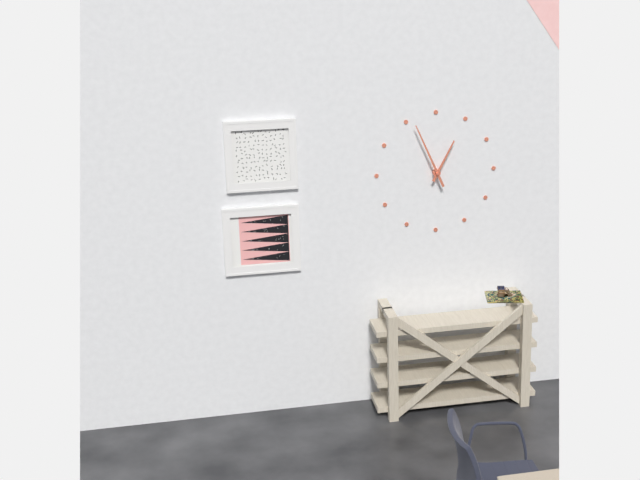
{"hour": 12, "minute": 56}
